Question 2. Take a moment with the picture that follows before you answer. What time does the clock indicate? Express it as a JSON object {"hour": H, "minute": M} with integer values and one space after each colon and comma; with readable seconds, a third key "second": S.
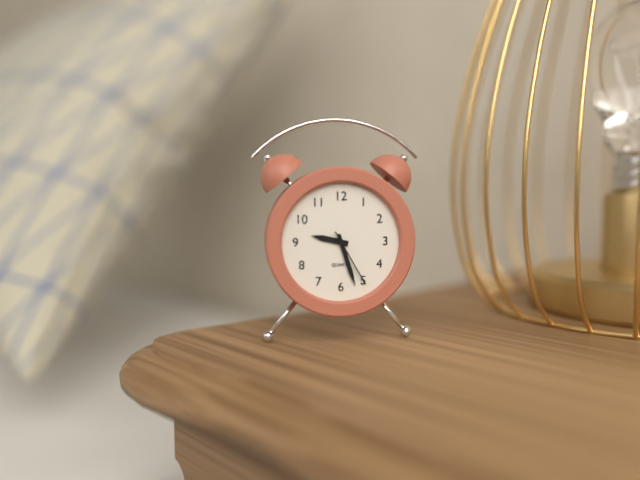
{"hour": 9, "minute": 27, "second": 25}
